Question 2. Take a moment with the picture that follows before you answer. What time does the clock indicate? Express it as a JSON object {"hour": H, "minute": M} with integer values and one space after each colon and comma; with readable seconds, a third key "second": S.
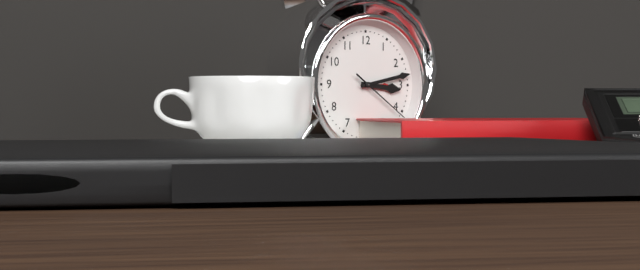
{"hour": 3, "minute": 13, "second": 21}
